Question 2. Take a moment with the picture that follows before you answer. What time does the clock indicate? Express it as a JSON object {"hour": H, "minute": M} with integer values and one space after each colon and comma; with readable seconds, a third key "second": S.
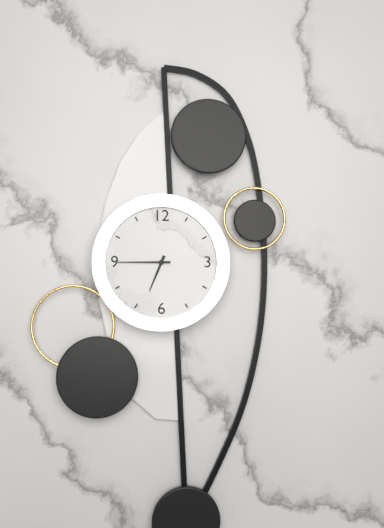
{"hour": 6, "minute": 45}
